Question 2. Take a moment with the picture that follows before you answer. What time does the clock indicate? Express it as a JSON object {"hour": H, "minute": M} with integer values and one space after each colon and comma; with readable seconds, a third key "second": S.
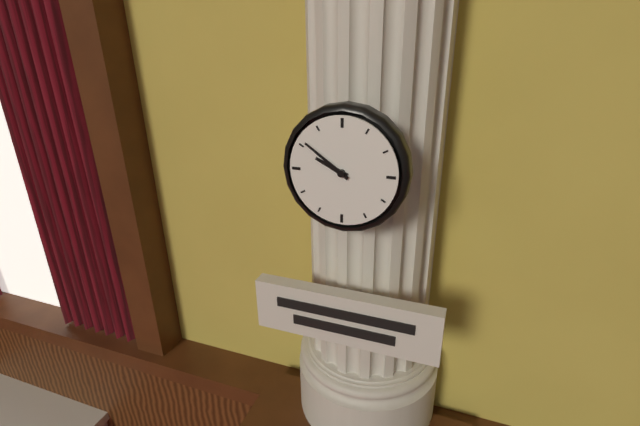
{"hour": 9, "minute": 51}
